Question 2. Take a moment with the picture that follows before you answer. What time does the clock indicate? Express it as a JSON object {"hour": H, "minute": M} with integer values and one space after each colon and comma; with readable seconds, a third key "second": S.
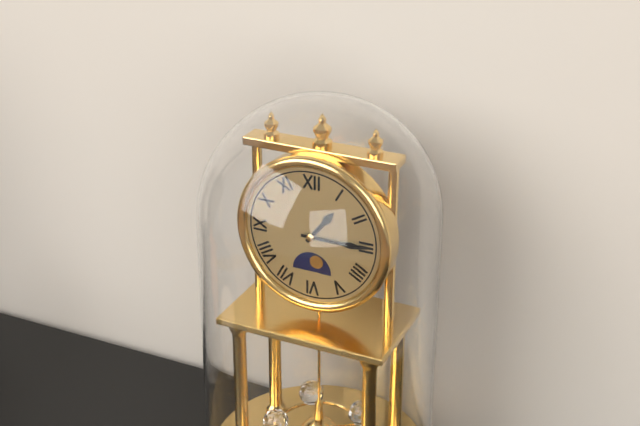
{"hour": 1, "minute": 15}
